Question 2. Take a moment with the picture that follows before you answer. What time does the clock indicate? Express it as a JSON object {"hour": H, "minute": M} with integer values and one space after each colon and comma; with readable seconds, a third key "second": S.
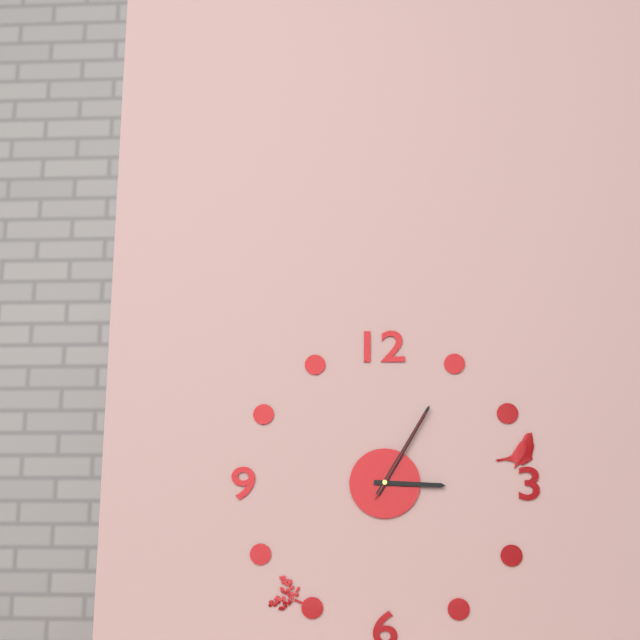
{"hour": 3, "minute": 5, "second": 5}
